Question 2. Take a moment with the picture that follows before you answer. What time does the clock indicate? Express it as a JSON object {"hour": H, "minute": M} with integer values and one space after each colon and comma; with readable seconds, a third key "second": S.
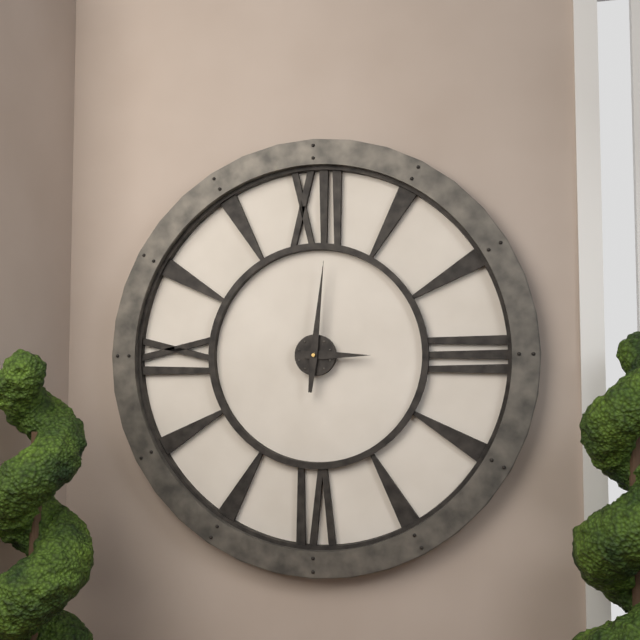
{"hour": 3, "minute": 1}
